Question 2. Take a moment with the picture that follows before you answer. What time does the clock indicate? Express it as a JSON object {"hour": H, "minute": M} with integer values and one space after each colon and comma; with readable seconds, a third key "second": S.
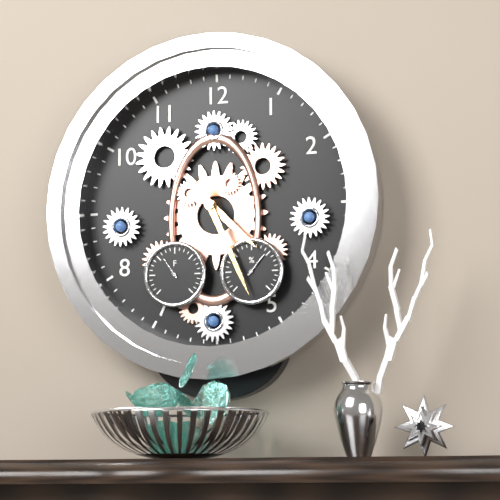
{"hour": 4, "minute": 26}
